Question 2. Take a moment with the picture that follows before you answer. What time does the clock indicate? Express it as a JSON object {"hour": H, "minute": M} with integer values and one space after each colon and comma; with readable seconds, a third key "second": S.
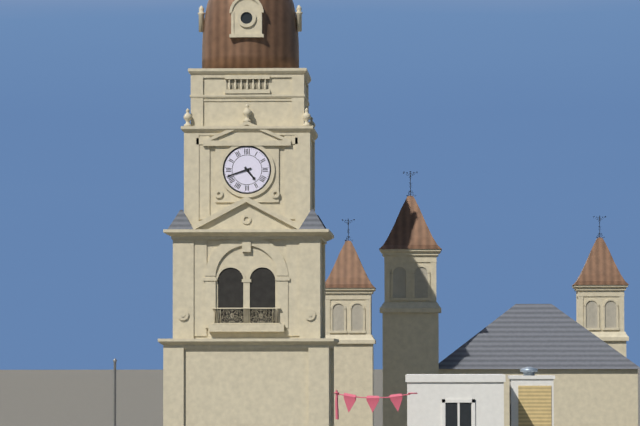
{"hour": 4, "minute": 42}
